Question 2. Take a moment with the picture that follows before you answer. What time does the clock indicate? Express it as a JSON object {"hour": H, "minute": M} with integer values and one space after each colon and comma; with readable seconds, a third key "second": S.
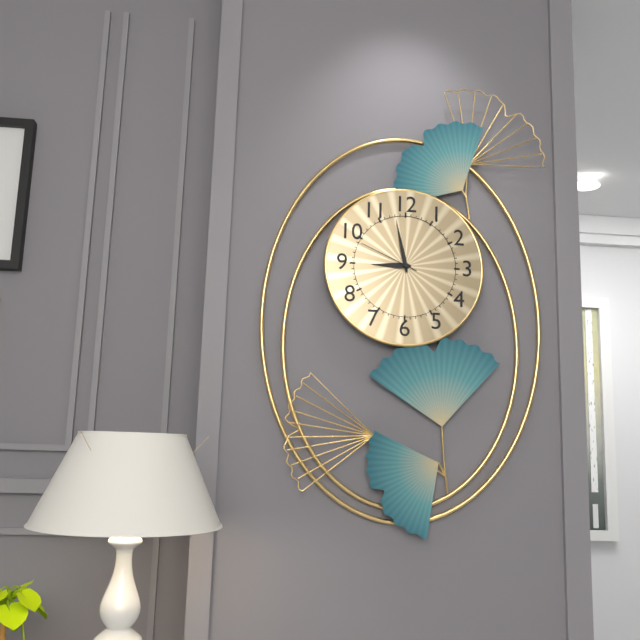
{"hour": 8, "minute": 58, "second": 49}
